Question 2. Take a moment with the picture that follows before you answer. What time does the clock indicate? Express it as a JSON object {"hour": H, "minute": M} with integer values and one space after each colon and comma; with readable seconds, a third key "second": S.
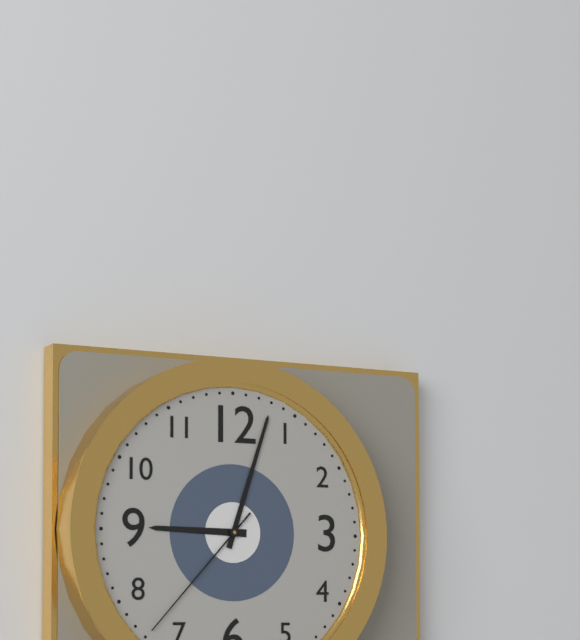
{"hour": 9, "minute": 3, "second": 37}
